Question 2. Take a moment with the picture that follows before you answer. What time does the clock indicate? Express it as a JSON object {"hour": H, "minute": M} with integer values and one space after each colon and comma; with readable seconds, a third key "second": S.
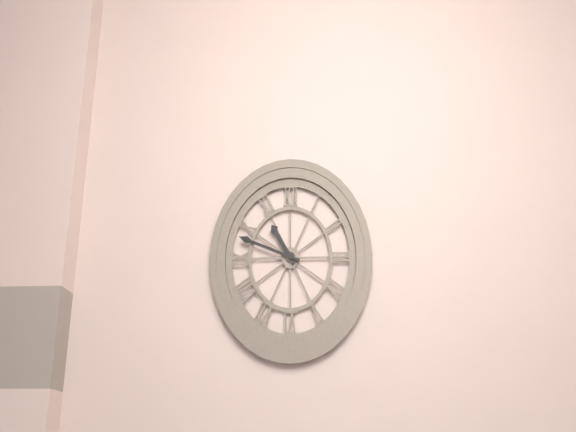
{"hour": 10, "minute": 48}
